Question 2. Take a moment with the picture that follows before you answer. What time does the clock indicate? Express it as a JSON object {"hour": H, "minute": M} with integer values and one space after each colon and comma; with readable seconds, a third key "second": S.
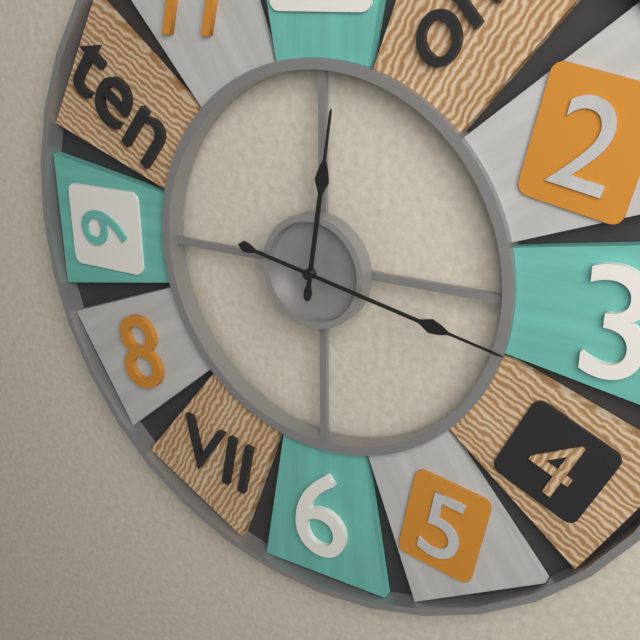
{"hour": 12, "minute": 17}
